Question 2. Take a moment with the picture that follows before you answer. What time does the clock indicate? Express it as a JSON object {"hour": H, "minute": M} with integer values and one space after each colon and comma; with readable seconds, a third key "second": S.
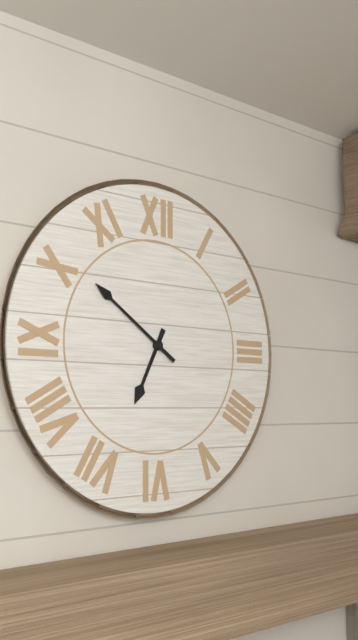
{"hour": 6, "minute": 51}
